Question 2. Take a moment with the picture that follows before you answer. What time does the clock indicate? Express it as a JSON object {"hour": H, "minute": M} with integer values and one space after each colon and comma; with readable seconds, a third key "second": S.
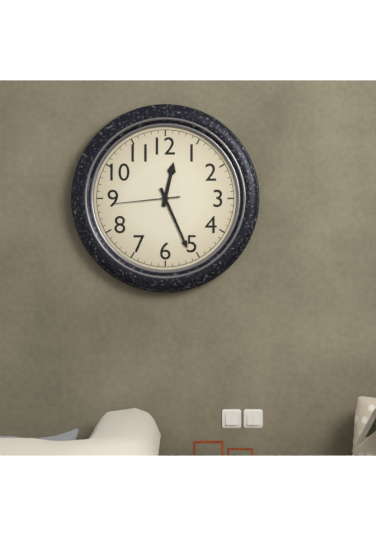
{"hour": 12, "minute": 26, "second": 44}
